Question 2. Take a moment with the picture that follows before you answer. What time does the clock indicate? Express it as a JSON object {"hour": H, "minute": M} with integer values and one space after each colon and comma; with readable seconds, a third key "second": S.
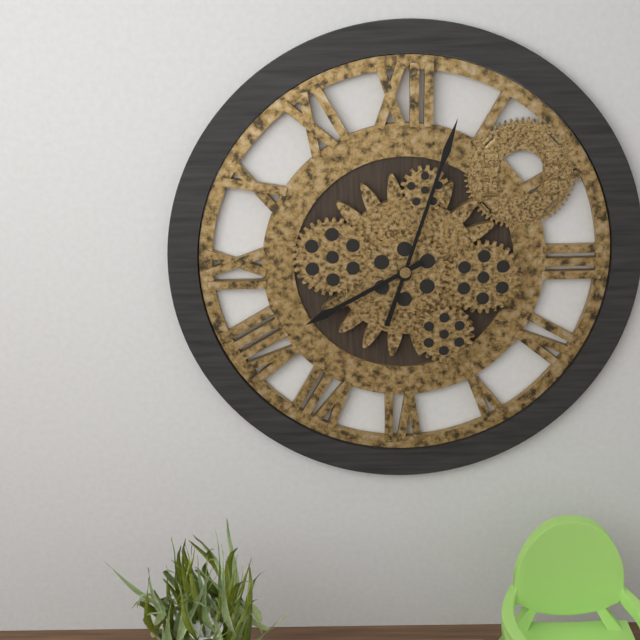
{"hour": 8, "minute": 3}
